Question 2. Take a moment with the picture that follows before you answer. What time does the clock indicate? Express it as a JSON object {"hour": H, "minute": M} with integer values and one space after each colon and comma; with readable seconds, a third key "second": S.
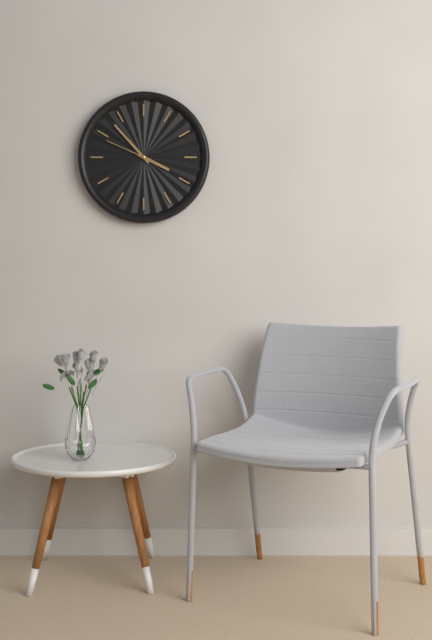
{"hour": 3, "minute": 53, "second": 49}
